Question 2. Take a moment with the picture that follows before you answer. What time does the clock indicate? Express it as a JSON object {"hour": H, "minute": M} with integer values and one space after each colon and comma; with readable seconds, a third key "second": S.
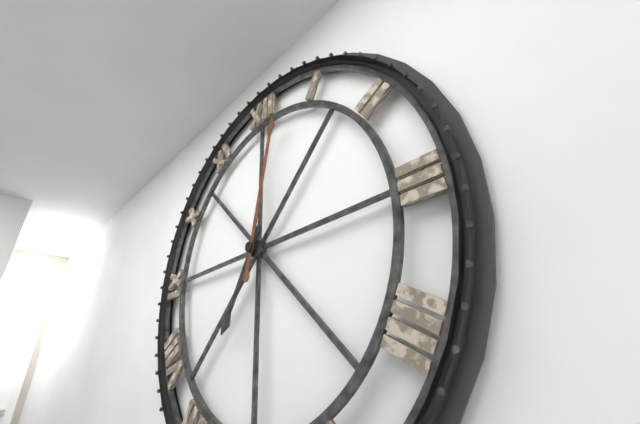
{"hour": 7, "minute": 2}
